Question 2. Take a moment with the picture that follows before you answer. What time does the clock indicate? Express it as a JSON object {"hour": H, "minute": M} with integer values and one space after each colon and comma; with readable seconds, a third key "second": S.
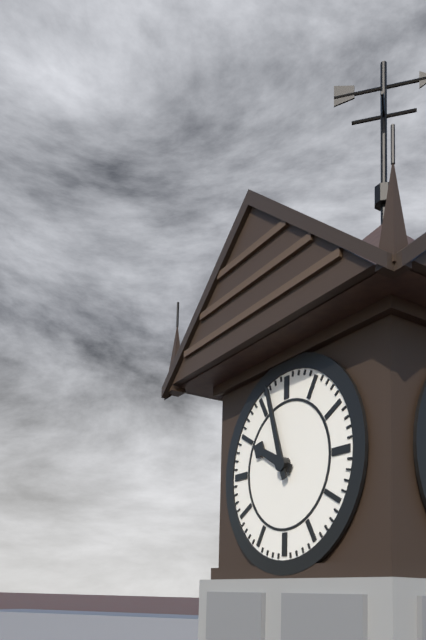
{"hour": 9, "minute": 57}
